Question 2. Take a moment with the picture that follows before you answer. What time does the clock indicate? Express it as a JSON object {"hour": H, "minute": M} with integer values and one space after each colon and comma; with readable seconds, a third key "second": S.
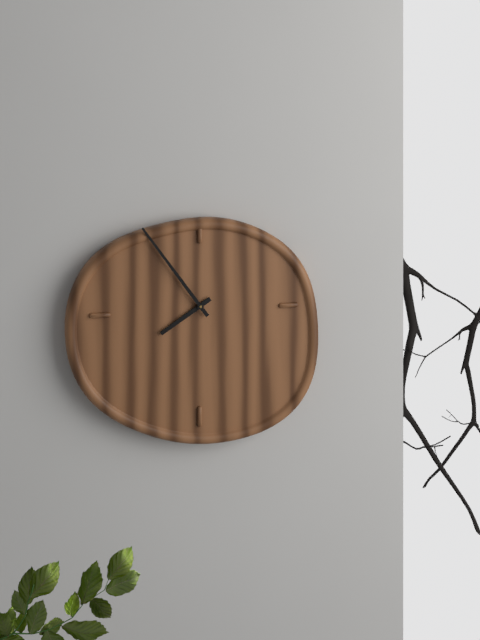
{"hour": 7, "minute": 54}
